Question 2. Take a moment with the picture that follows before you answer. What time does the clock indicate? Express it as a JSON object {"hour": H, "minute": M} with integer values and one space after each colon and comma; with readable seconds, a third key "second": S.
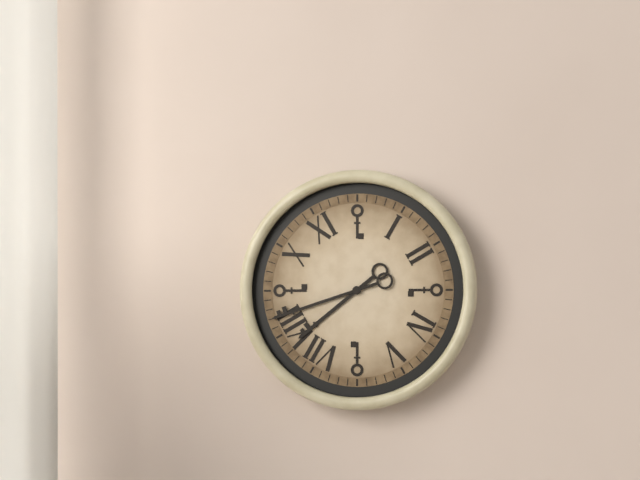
{"hour": 7, "minute": 42}
